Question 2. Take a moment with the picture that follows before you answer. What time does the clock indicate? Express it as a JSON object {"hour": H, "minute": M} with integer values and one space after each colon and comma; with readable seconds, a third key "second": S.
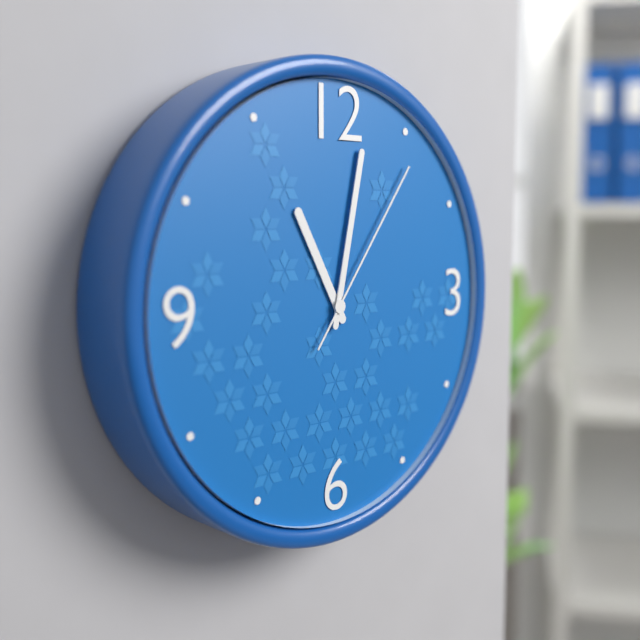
{"hour": 11, "minute": 2, "second": 6}
